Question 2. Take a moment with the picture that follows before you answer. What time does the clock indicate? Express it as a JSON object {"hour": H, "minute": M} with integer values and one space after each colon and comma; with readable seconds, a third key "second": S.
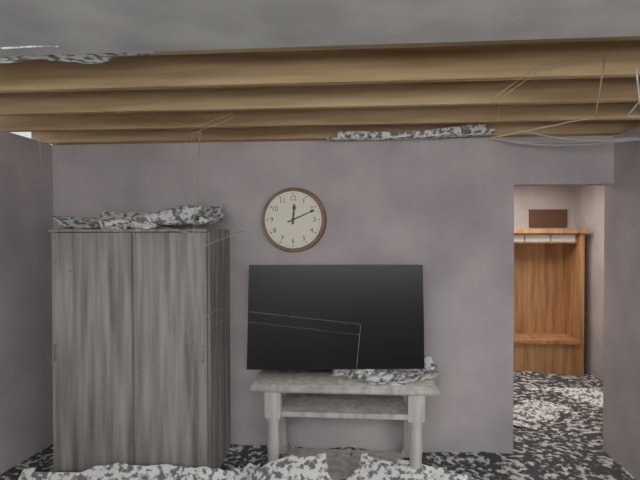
{"hour": 12, "minute": 11}
